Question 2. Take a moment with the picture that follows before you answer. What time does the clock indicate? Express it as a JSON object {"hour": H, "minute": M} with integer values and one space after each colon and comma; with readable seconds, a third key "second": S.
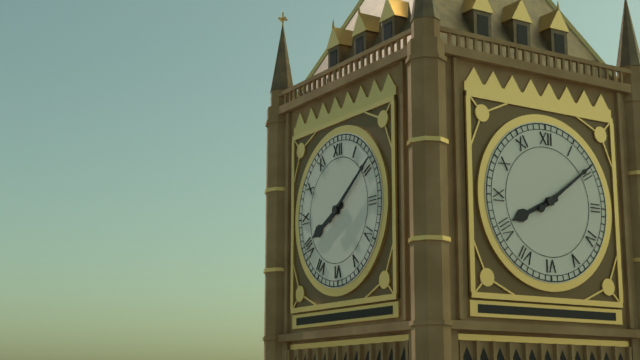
{"hour": 8, "minute": 9}
